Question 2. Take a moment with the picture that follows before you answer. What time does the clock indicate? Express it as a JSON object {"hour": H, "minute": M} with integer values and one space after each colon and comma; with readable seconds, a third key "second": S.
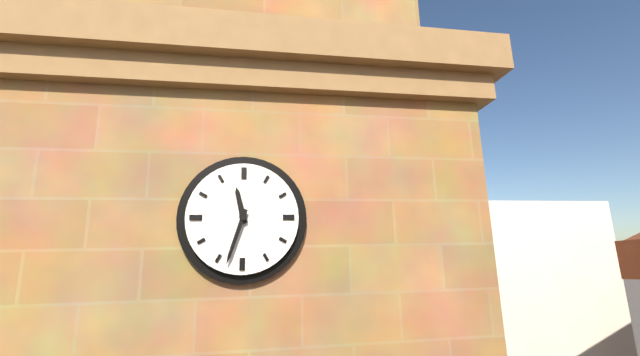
{"hour": 11, "minute": 33}
